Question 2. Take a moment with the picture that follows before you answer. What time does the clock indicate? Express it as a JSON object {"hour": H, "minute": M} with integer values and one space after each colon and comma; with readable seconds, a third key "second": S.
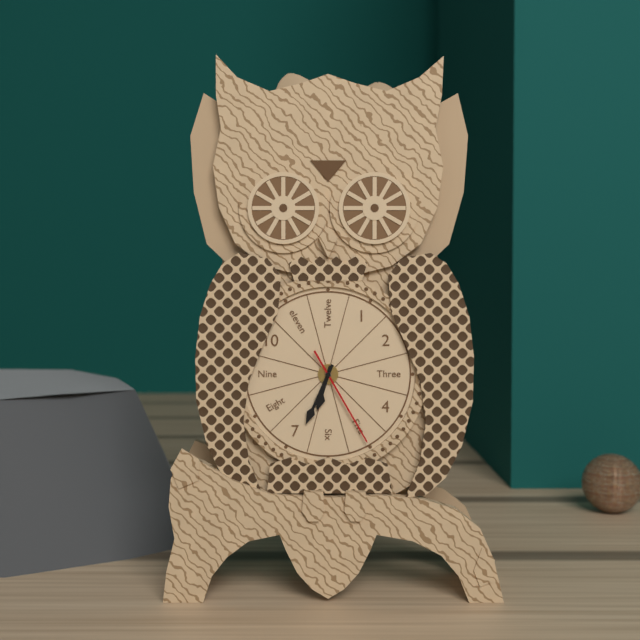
{"hour": 6, "minute": 34, "second": 25}
